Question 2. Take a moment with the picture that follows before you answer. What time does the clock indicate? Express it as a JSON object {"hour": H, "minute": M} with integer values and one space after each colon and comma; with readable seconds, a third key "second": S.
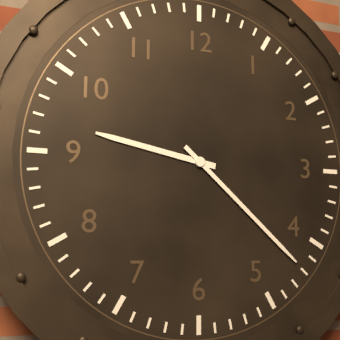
{"hour": 9, "minute": 22}
